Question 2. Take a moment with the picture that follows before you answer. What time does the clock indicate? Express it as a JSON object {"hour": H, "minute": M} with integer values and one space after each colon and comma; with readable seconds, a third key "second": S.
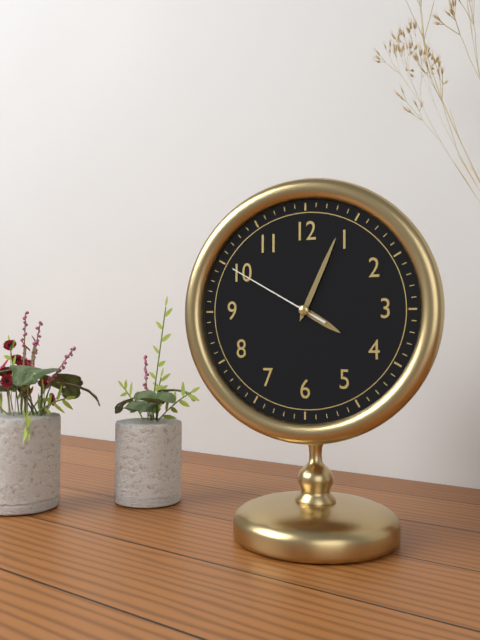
{"hour": 4, "minute": 4, "second": 50}
